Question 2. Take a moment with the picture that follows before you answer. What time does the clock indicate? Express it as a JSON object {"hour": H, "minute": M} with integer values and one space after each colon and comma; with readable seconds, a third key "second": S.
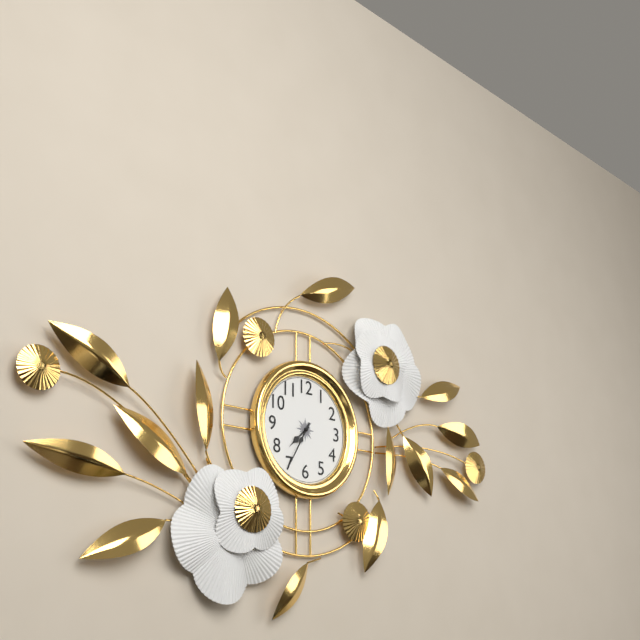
{"hour": 7, "minute": 35}
